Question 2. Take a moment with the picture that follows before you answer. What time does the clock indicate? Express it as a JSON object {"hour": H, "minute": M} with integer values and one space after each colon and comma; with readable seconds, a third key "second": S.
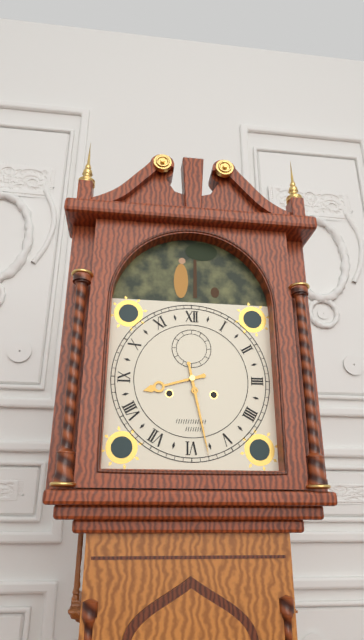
{"hour": 8, "minute": 28}
